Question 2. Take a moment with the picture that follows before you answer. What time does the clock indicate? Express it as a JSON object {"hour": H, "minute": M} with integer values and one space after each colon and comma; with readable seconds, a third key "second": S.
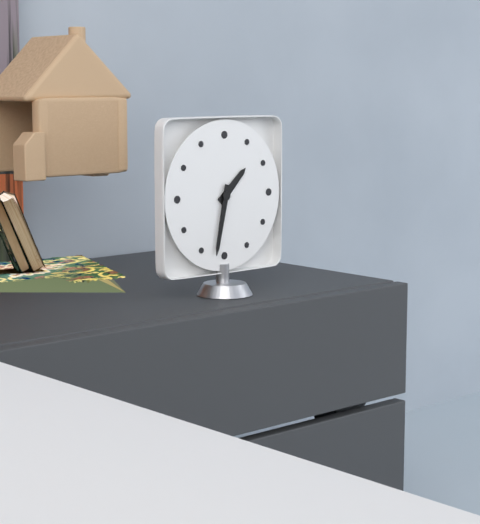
{"hour": 1, "minute": 32}
